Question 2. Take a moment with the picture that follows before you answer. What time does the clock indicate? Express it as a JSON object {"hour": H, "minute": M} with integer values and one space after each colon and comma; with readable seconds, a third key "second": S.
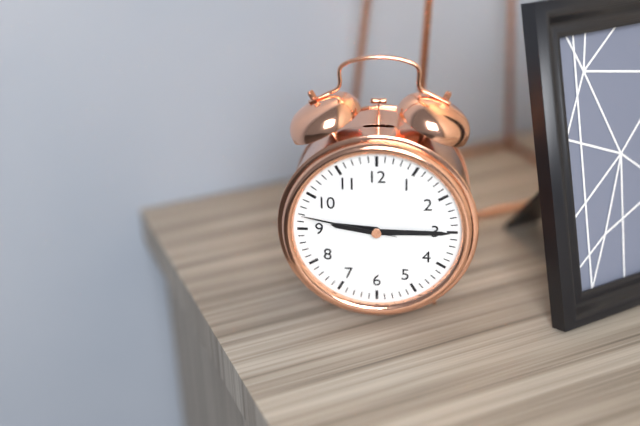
{"hour": 9, "minute": 15, "second": 47}
